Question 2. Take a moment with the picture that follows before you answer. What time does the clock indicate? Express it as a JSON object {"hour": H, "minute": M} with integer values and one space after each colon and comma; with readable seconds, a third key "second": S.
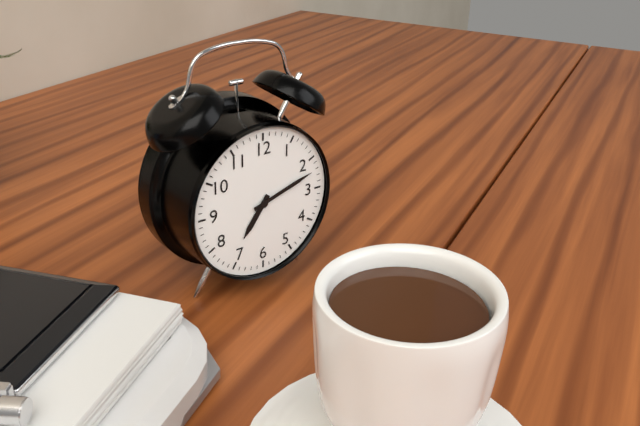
{"hour": 7, "minute": 12}
